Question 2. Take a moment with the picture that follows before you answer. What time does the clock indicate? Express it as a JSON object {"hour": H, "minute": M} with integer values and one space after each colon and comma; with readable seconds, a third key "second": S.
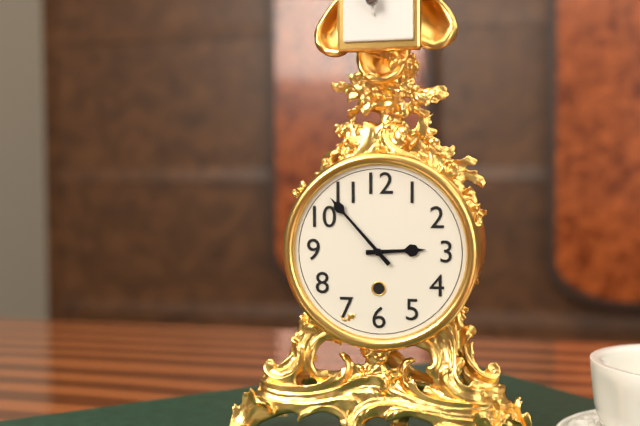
{"hour": 2, "minute": 53}
